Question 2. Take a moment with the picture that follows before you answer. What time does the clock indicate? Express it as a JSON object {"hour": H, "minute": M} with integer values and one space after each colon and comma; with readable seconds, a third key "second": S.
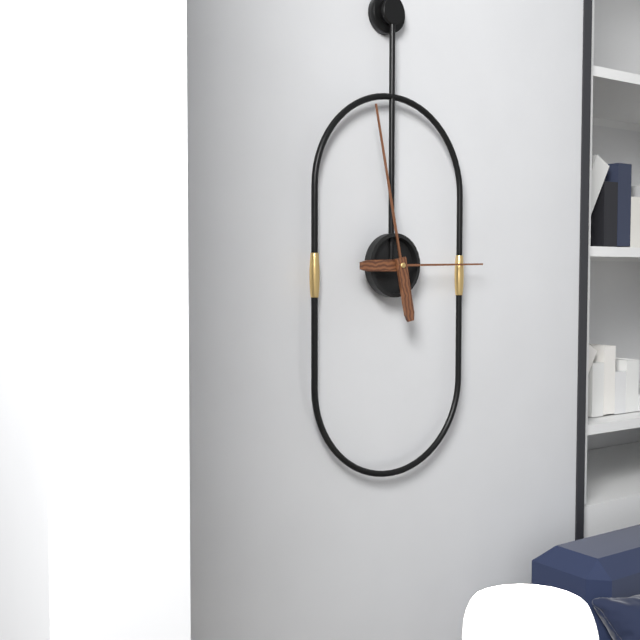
{"hour": 2, "minute": 58}
